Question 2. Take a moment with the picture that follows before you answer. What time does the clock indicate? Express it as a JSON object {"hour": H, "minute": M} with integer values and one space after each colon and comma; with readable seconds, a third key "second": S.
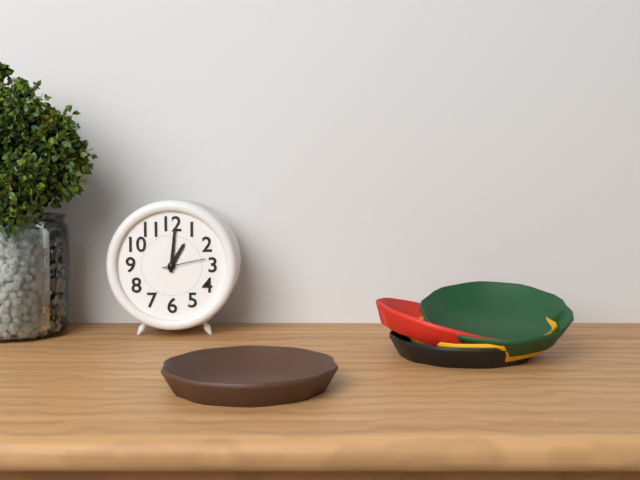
{"hour": 1, "minute": 1}
